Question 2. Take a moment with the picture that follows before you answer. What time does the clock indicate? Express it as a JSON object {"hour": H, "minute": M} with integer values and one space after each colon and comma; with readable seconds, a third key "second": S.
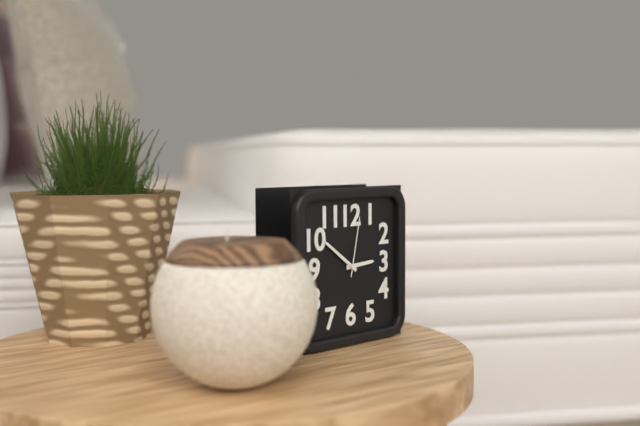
{"hour": 2, "minute": 51, "second": 2}
